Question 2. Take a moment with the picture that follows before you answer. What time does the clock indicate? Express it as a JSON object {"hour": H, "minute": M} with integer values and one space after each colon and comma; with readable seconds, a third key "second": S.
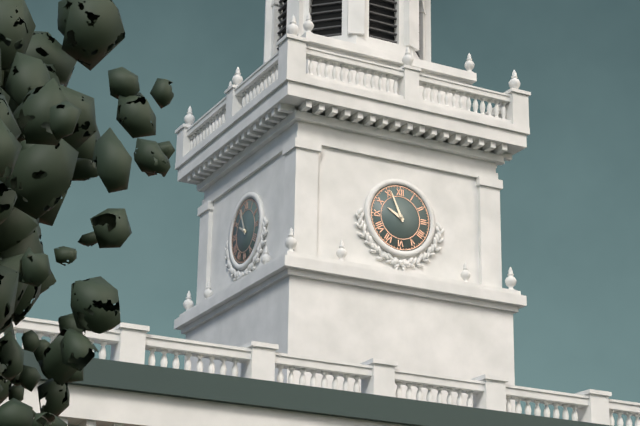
{"hour": 9, "minute": 56}
